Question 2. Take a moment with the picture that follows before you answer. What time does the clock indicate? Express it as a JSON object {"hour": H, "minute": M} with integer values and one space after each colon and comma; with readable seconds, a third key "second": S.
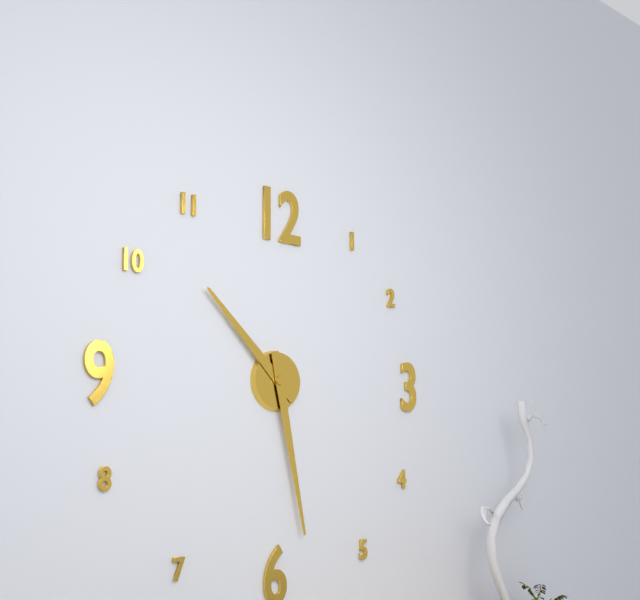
{"hour": 10, "minute": 28}
